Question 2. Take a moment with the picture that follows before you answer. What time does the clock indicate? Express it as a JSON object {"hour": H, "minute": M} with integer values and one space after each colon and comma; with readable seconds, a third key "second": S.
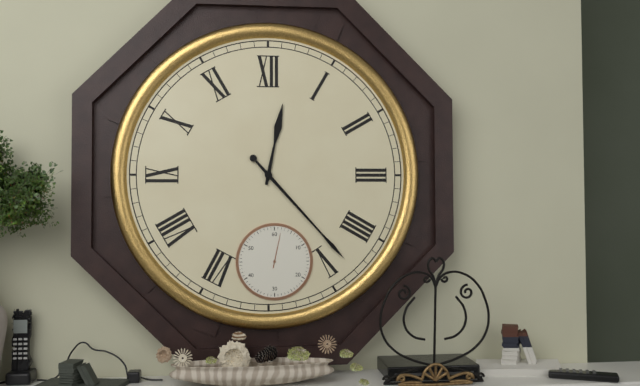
{"hour": 12, "minute": 23}
